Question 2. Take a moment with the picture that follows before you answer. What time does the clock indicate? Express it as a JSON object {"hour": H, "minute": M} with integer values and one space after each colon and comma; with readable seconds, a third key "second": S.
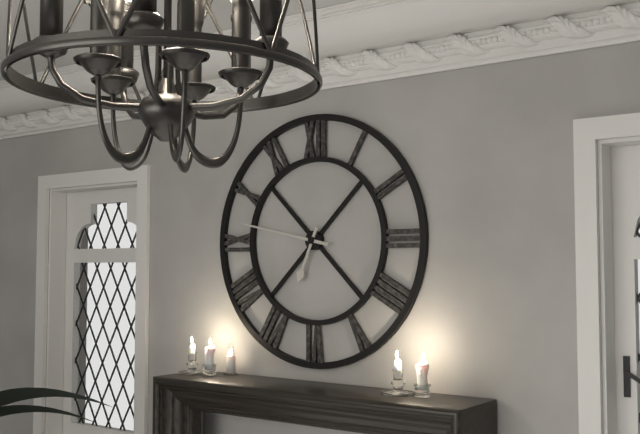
{"hour": 6, "minute": 47}
